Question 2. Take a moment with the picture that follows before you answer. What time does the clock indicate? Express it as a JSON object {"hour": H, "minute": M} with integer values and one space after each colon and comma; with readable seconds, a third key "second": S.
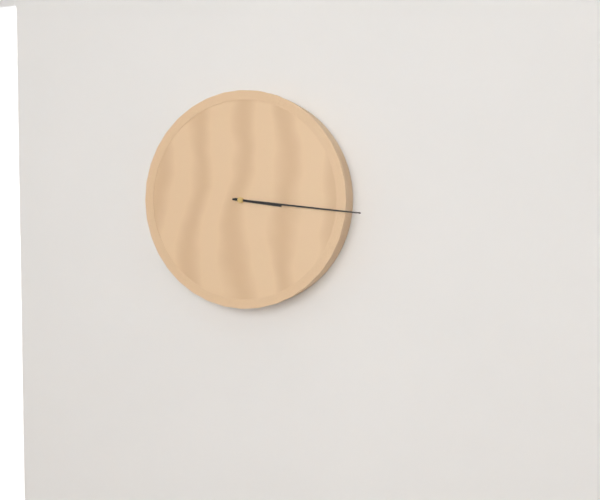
{"hour": 3, "minute": 16}
